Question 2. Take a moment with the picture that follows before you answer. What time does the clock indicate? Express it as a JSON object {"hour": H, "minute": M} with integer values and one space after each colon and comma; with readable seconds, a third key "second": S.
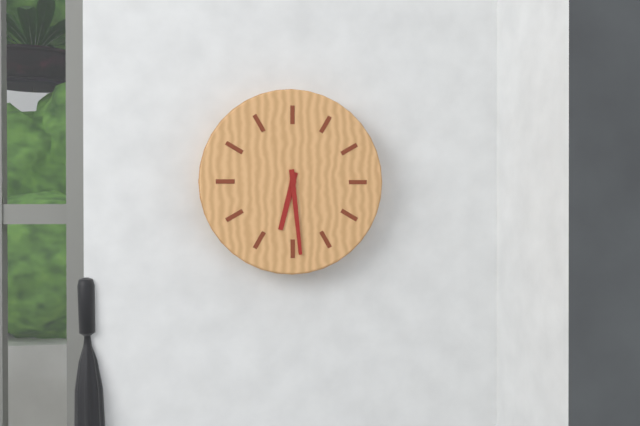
{"hour": 6, "minute": 29}
